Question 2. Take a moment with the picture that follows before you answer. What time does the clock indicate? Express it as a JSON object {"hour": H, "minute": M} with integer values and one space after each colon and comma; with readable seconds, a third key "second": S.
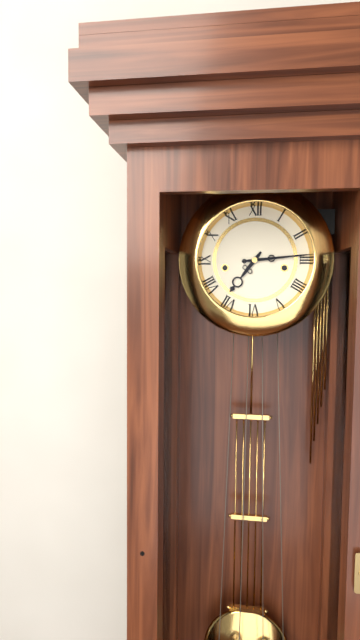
{"hour": 7, "minute": 14}
